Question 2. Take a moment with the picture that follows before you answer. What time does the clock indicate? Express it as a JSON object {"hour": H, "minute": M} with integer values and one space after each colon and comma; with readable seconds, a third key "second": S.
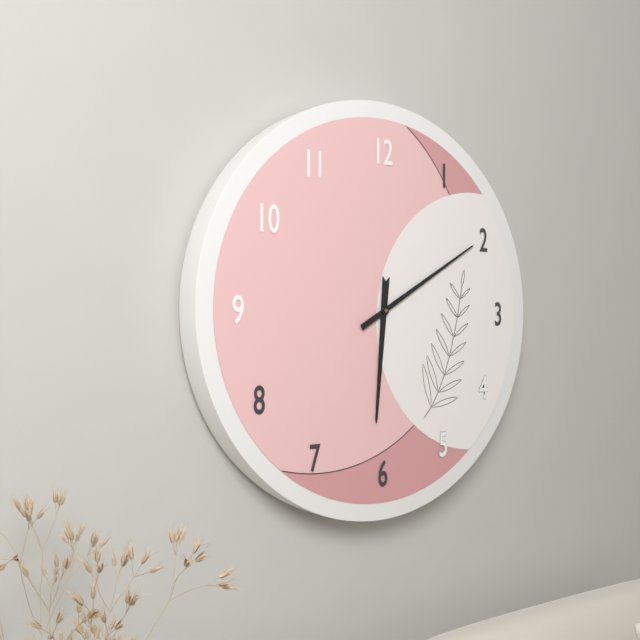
{"hour": 6, "minute": 10}
